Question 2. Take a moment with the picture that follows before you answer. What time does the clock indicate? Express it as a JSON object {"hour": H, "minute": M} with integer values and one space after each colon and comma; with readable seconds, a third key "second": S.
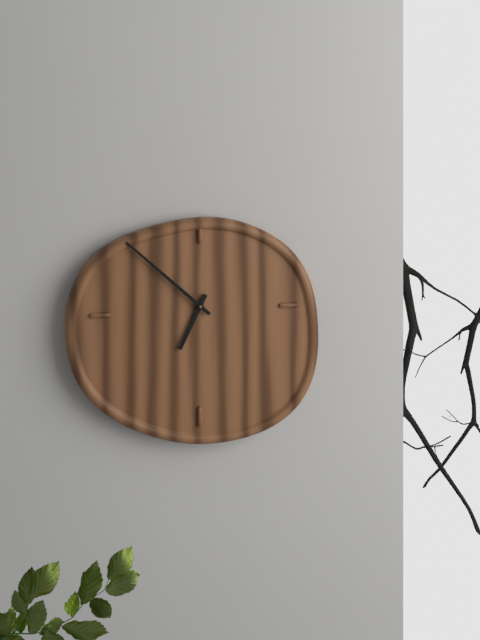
{"hour": 6, "minute": 52}
